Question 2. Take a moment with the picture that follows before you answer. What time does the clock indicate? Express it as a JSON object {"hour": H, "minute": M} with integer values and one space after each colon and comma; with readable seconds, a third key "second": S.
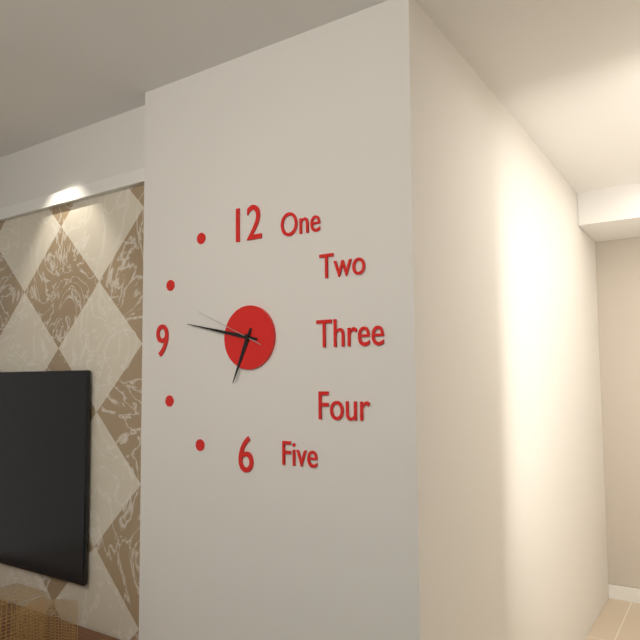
{"hour": 6, "minute": 47, "second": 49}
